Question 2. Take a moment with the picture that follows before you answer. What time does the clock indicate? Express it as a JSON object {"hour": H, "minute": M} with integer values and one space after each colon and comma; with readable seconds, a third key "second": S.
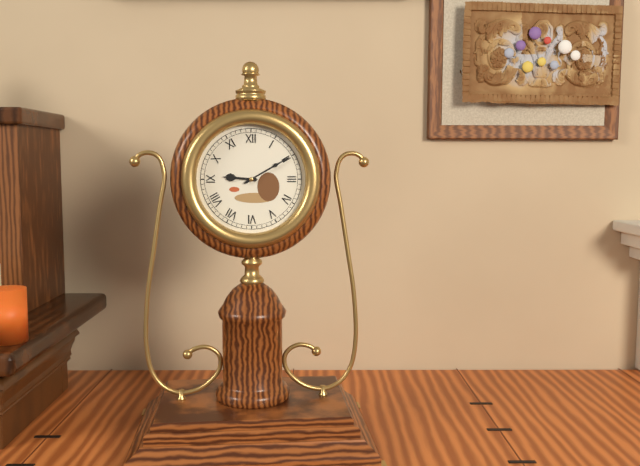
{"hour": 9, "minute": 10}
